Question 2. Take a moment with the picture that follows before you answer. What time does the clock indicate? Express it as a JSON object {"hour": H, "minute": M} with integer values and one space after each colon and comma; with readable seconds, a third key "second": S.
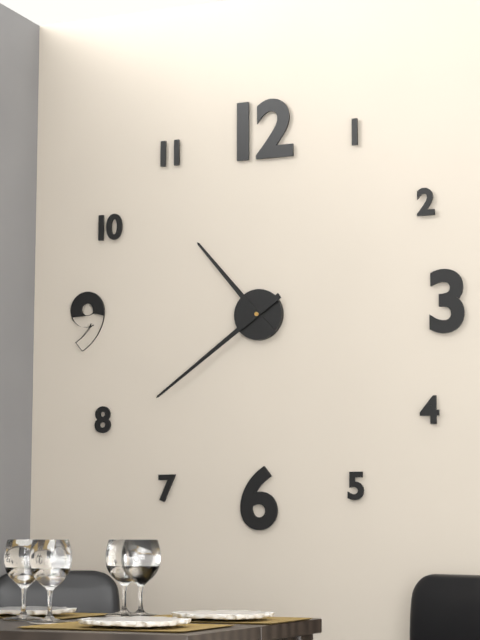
{"hour": 10, "minute": 39}
